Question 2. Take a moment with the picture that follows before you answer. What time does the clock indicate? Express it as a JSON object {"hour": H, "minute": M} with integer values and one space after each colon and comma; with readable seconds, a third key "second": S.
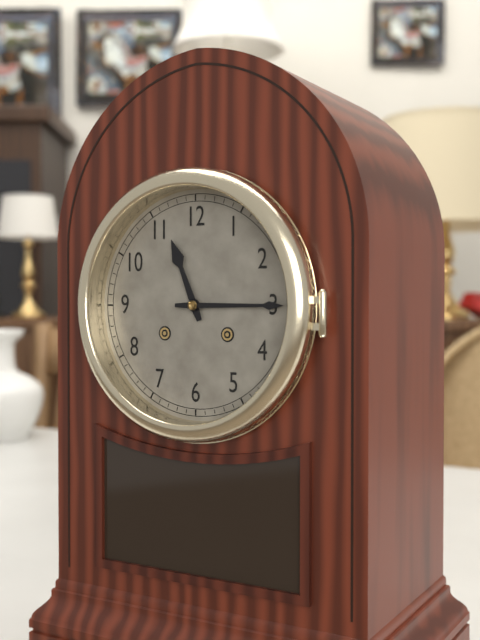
{"hour": 11, "minute": 15}
